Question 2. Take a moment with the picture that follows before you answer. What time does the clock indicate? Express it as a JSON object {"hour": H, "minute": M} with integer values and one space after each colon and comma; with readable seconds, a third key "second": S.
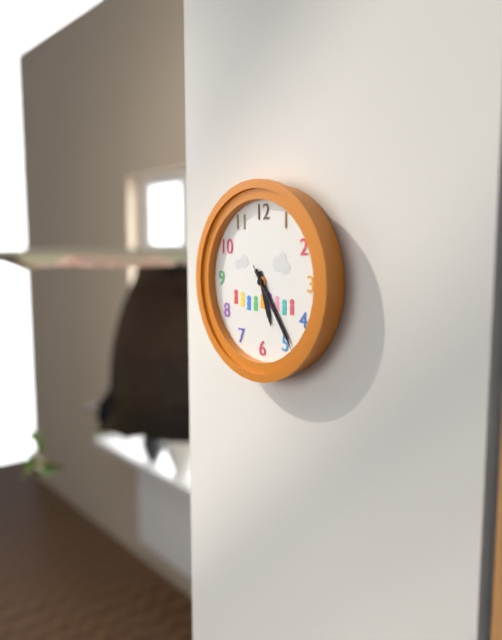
{"hour": 5, "minute": 24, "second": 24}
